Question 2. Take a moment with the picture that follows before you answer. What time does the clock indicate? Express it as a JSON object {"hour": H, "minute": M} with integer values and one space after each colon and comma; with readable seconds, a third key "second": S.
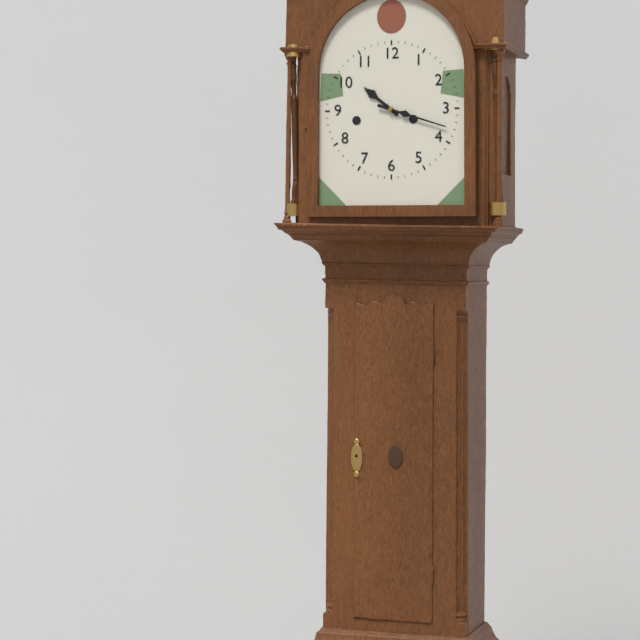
{"hour": 10, "minute": 18}
